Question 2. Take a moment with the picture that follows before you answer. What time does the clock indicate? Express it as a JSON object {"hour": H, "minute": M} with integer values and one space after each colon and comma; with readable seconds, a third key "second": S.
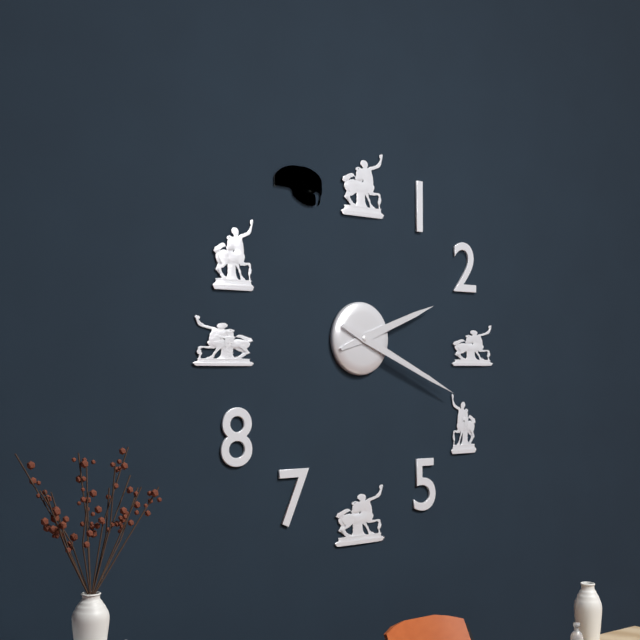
{"hour": 2, "minute": 19}
